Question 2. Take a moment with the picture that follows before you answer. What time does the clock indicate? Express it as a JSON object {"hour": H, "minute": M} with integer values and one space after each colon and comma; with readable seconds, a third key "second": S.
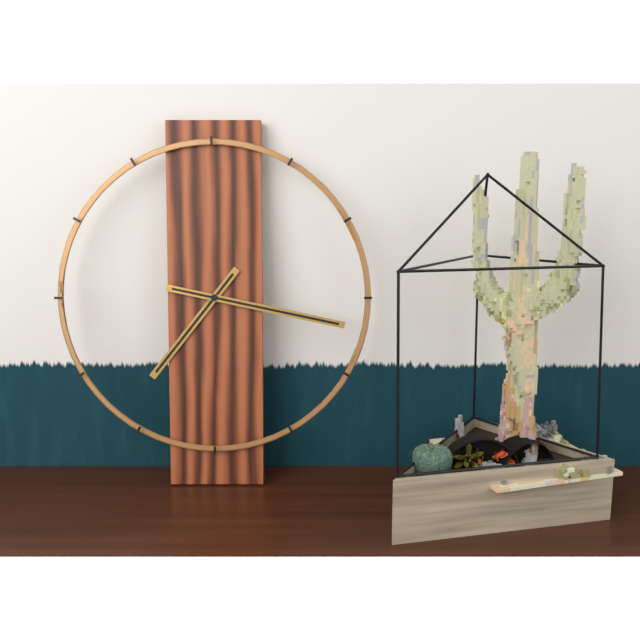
{"hour": 7, "minute": 17}
